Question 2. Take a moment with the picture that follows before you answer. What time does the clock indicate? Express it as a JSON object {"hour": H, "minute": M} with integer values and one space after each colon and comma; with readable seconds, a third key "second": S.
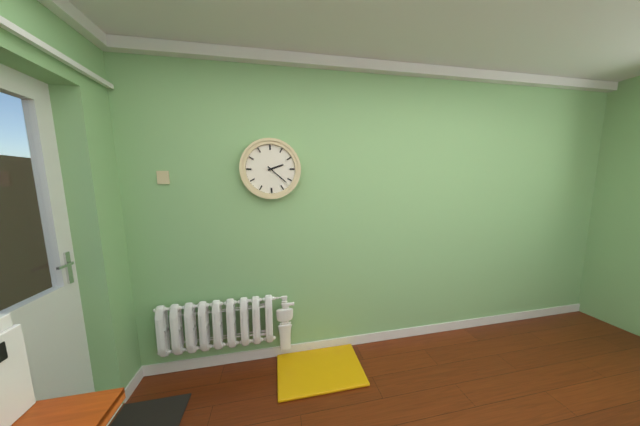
{"hour": 2, "minute": 22}
